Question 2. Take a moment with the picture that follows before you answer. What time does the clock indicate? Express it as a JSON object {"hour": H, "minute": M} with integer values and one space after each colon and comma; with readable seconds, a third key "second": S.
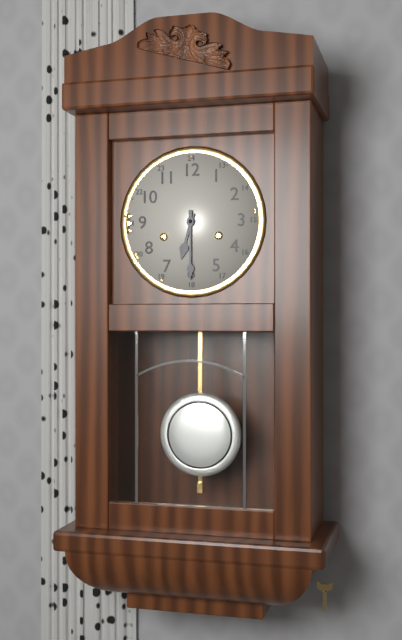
{"hour": 6, "minute": 30}
